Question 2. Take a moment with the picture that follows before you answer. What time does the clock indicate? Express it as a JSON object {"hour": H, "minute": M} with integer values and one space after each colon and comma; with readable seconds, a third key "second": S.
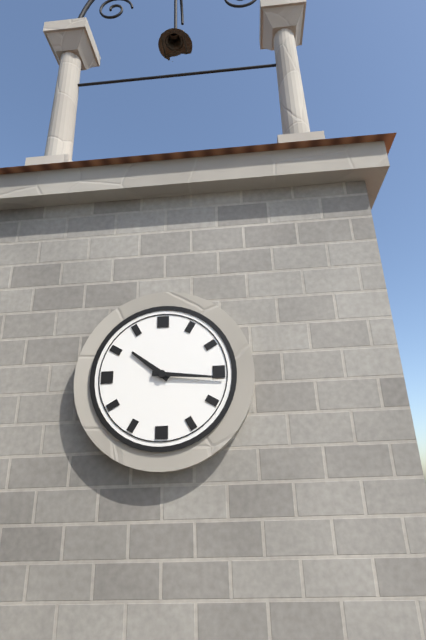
{"hour": 10, "minute": 16}
